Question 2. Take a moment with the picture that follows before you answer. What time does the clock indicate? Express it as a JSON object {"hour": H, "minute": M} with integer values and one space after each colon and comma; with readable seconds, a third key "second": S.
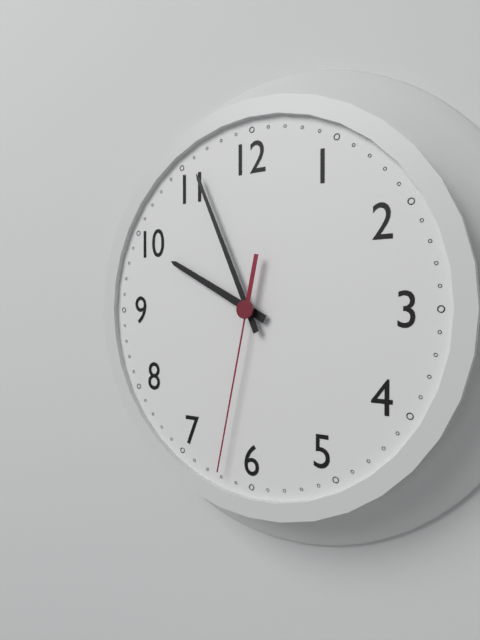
{"hour": 9, "minute": 56, "second": 32}
